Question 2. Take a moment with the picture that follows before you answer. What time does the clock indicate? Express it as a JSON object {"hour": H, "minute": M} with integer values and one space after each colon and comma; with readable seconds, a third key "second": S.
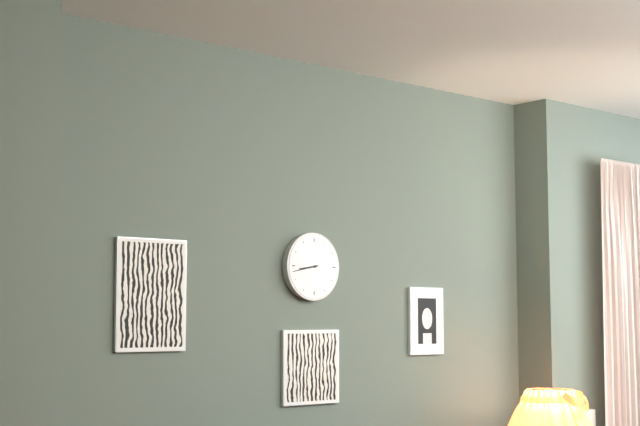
{"hour": 8, "minute": 43}
